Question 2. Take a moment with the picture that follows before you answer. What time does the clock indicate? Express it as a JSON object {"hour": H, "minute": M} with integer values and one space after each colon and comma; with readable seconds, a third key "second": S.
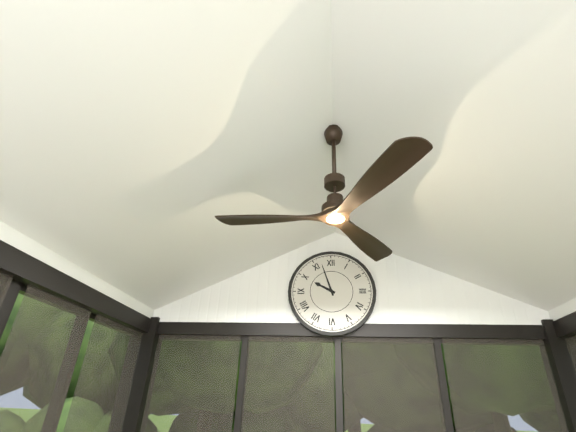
{"hour": 9, "minute": 57}
